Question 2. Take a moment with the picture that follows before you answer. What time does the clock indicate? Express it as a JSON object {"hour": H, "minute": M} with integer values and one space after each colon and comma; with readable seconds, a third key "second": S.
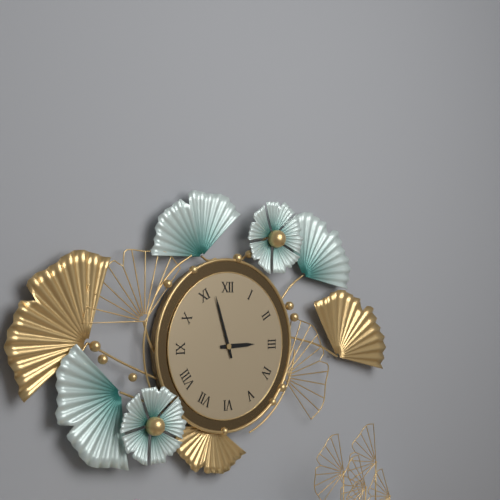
{"hour": 2, "minute": 57}
